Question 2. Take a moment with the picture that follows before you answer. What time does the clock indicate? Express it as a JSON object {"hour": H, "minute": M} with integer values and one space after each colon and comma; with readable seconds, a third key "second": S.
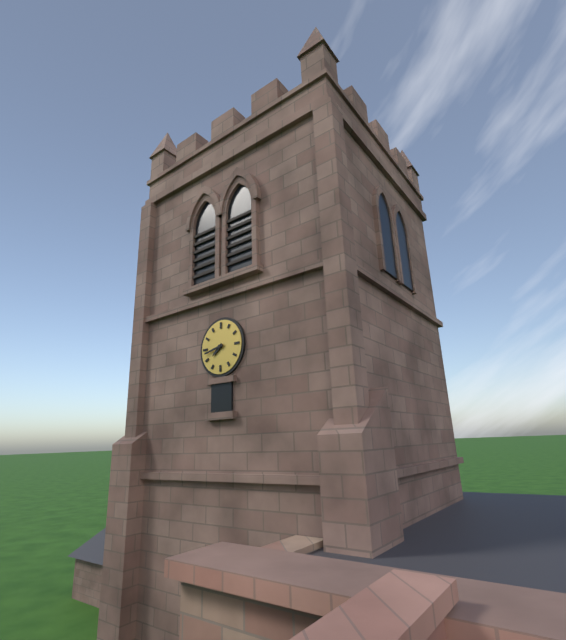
{"hour": 7, "minute": 43}
